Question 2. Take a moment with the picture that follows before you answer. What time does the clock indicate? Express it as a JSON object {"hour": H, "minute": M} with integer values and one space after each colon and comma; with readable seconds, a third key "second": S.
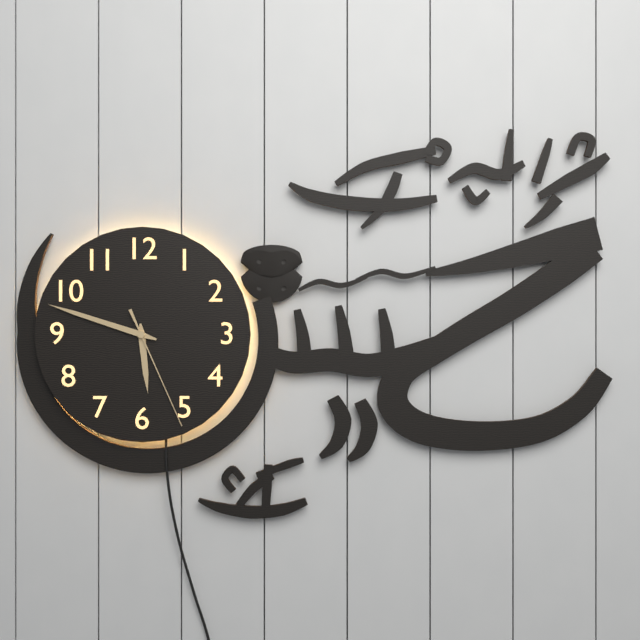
{"hour": 5, "minute": 48, "second": 26}
